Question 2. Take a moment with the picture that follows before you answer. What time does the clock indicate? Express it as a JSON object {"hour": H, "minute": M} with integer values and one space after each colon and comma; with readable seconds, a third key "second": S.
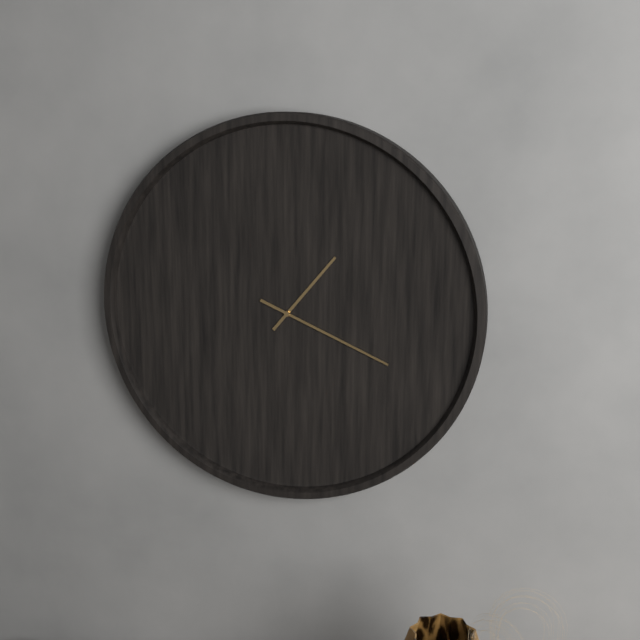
{"hour": 1, "minute": 19}
